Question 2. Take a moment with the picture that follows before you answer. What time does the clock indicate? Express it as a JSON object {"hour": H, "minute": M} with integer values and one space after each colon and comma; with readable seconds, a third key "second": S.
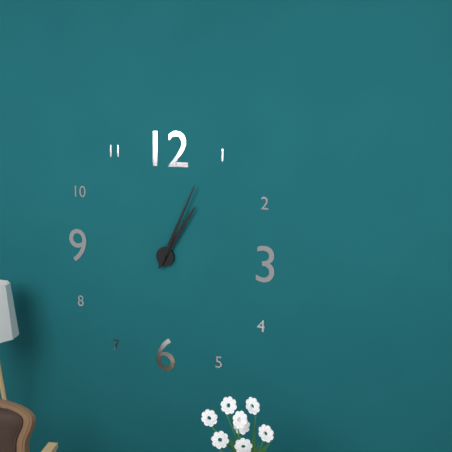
{"hour": 1, "minute": 4}
